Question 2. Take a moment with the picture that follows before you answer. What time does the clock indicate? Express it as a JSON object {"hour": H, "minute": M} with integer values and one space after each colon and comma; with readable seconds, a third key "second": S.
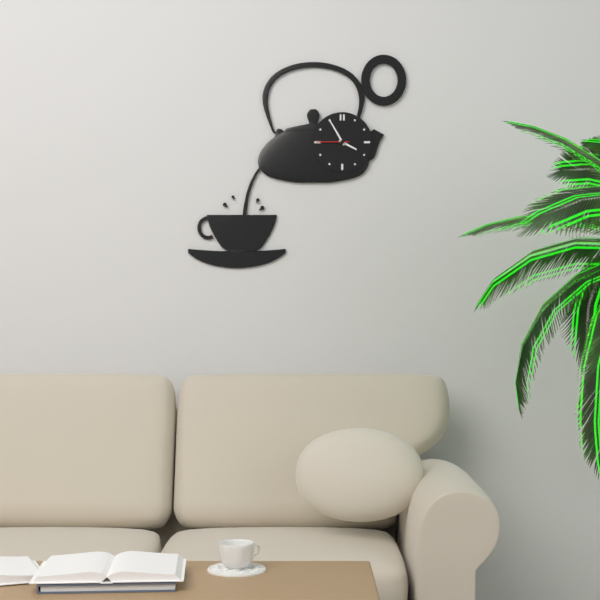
{"hour": 3, "minute": 55}
